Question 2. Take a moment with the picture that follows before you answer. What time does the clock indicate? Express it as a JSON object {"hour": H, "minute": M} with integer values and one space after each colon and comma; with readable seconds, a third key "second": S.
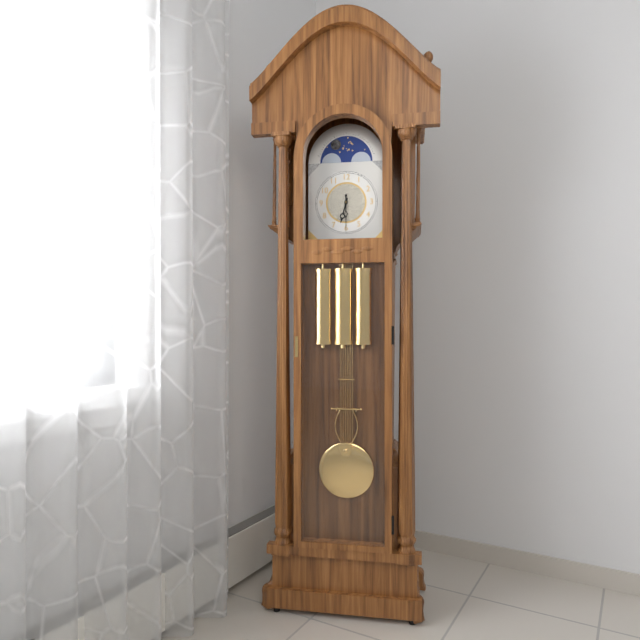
{"hour": 6, "minute": 30}
